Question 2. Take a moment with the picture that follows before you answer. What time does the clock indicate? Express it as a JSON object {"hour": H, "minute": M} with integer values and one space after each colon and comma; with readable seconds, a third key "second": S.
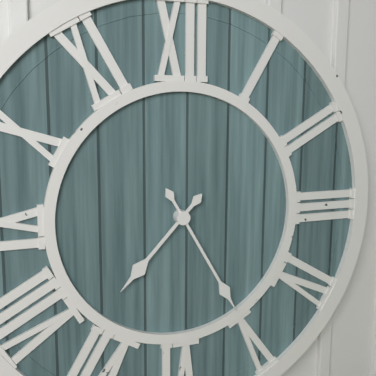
{"hour": 7, "minute": 25}
